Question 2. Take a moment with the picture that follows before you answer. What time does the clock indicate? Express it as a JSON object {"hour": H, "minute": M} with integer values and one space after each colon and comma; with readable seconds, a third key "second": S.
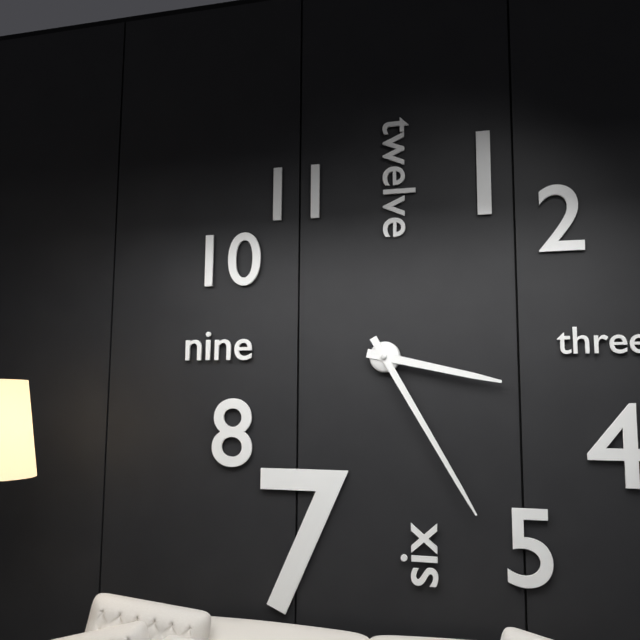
{"hour": 3, "minute": 25}
